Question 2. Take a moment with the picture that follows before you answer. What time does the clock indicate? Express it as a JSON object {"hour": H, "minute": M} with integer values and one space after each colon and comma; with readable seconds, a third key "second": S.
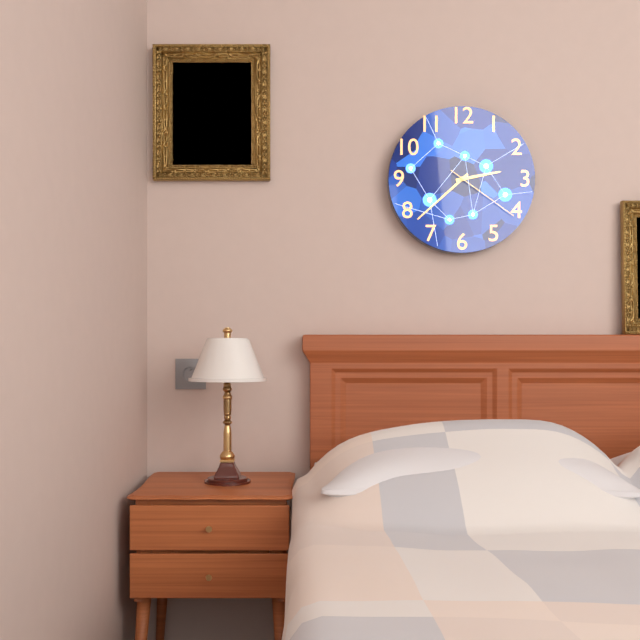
{"hour": 2, "minute": 38, "second": 21}
